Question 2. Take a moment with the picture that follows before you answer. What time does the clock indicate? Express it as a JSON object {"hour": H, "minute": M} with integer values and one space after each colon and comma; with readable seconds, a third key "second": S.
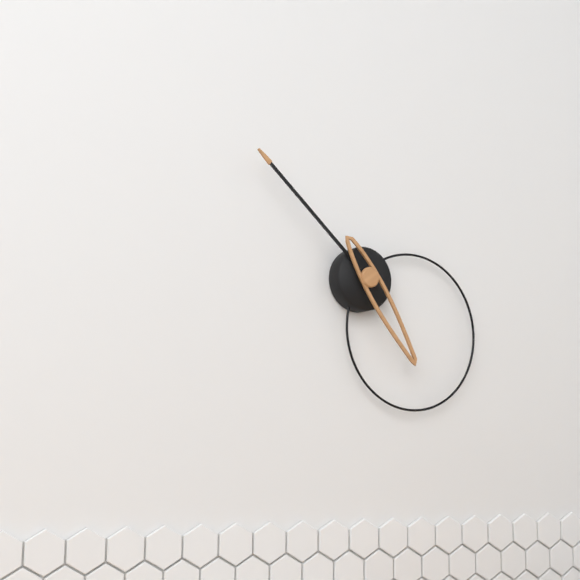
{"hour": 4, "minute": 52}
